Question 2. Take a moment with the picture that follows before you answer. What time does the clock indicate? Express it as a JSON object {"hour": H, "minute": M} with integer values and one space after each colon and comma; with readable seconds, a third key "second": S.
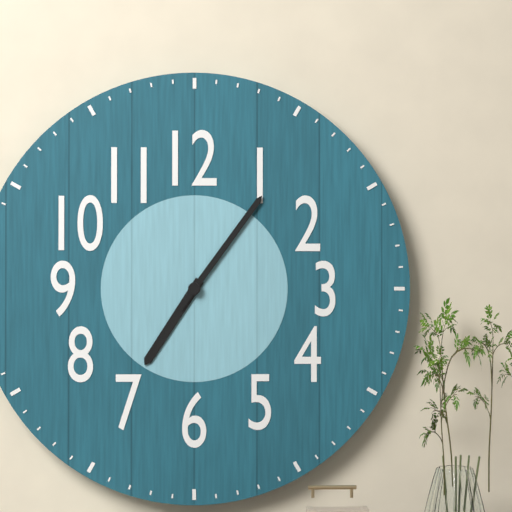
{"hour": 7, "minute": 6}
